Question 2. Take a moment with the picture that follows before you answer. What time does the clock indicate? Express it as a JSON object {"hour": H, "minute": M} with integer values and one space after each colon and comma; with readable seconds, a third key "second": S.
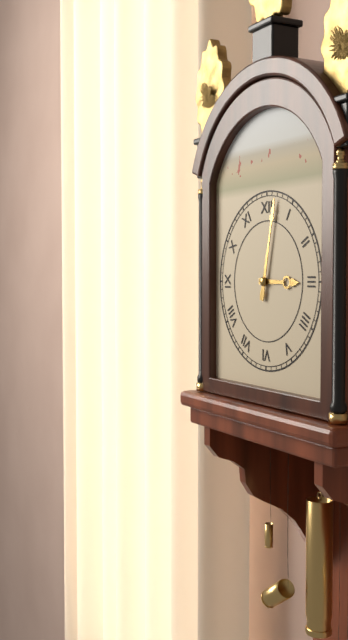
{"hour": 3, "minute": 2}
